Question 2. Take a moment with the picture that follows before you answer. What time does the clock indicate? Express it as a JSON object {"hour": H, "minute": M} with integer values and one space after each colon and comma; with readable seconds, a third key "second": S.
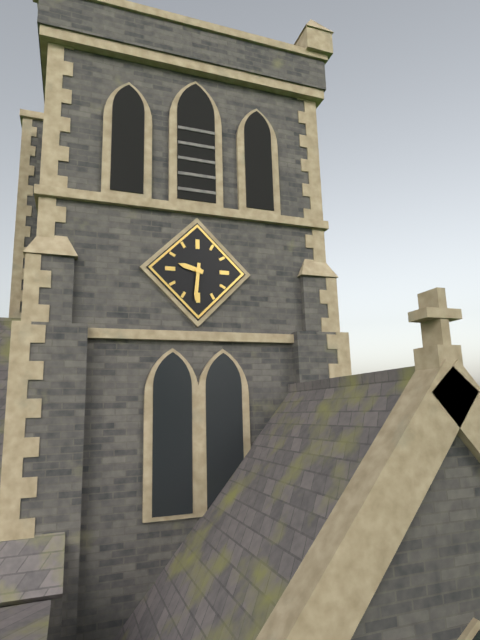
{"hour": 9, "minute": 31}
